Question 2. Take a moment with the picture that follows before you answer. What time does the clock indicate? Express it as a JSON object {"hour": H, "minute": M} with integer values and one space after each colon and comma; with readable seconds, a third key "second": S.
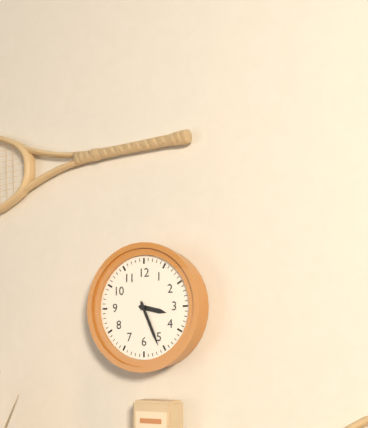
{"hour": 3, "minute": 26}
